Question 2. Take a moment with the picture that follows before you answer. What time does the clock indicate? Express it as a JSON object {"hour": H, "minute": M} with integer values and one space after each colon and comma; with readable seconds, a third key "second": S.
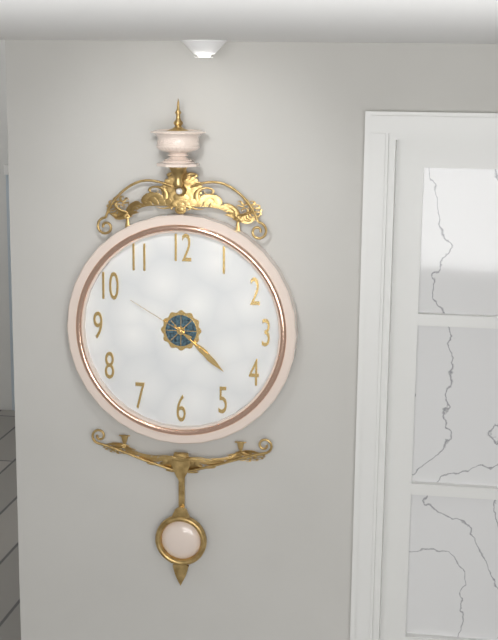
{"hour": 4, "minute": 22, "second": 50}
